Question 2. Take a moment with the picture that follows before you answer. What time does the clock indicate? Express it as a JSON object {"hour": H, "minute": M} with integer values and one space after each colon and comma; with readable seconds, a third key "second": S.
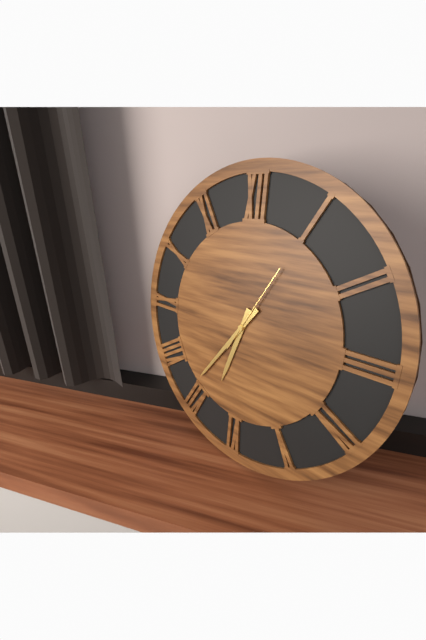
{"hour": 6, "minute": 36, "second": 5}
